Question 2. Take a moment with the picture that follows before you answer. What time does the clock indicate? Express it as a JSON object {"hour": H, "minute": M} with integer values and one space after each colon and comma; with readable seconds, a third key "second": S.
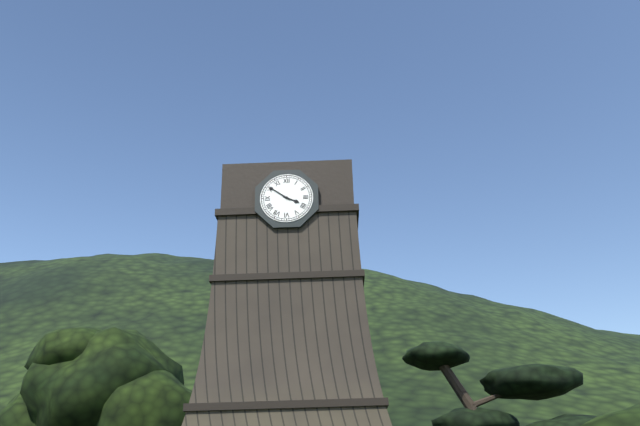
{"hour": 3, "minute": 51}
